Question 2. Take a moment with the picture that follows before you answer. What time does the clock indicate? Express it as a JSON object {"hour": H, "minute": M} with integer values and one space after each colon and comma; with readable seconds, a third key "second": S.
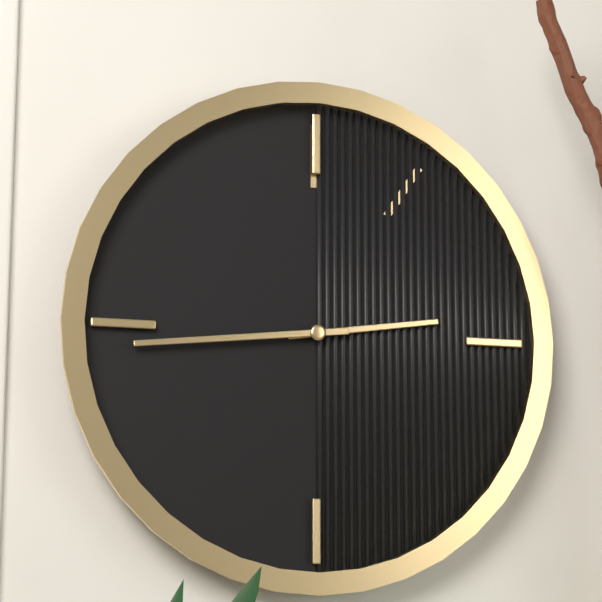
{"hour": 2, "minute": 44}
